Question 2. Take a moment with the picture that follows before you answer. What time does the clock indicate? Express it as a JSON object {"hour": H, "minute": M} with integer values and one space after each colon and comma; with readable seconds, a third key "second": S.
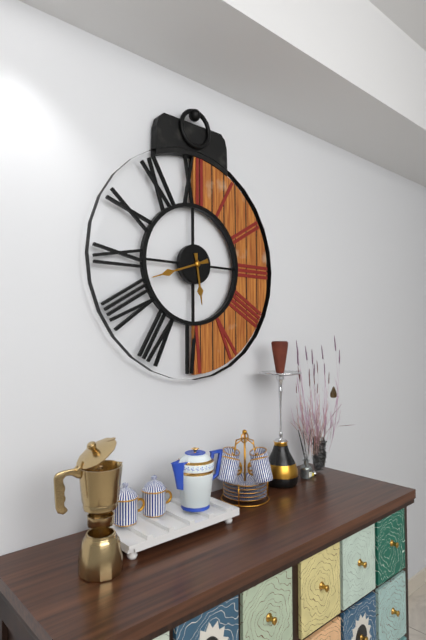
{"hour": 5, "minute": 42}
